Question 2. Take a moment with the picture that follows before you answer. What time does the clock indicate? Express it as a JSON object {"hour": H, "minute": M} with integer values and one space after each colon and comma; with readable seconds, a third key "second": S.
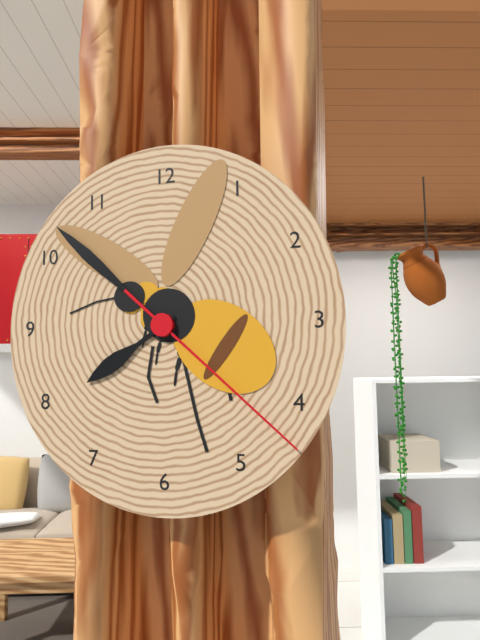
{"hour": 7, "minute": 52, "second": 22}
